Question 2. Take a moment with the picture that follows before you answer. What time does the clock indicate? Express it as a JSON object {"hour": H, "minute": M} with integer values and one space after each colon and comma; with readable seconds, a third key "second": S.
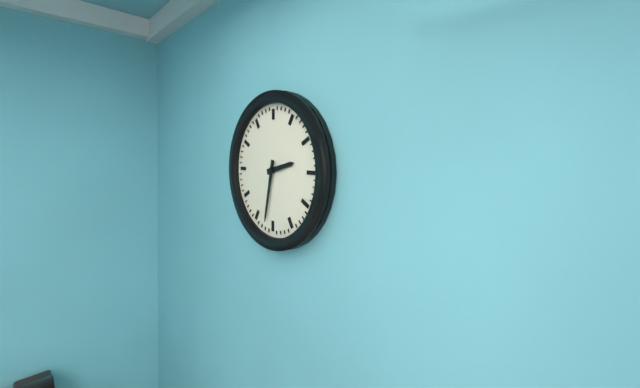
{"hour": 2, "minute": 32}
